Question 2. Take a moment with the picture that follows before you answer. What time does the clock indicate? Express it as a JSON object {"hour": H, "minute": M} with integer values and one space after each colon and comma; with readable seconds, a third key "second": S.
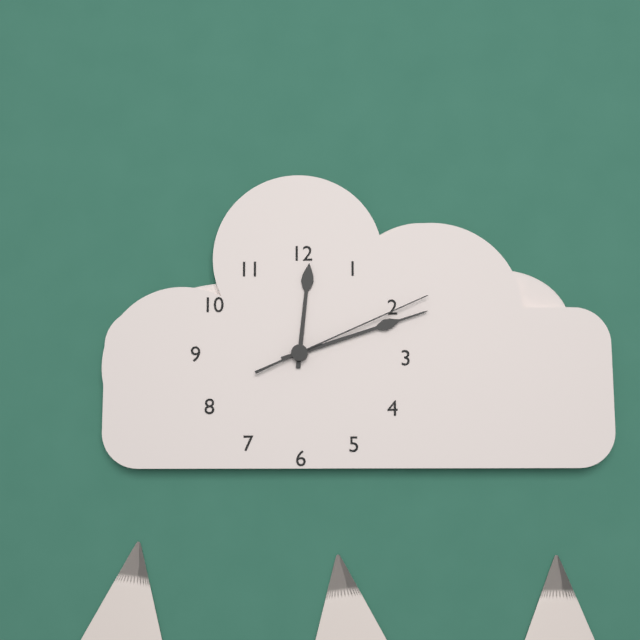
{"hour": 12, "minute": 12, "second": 11}
